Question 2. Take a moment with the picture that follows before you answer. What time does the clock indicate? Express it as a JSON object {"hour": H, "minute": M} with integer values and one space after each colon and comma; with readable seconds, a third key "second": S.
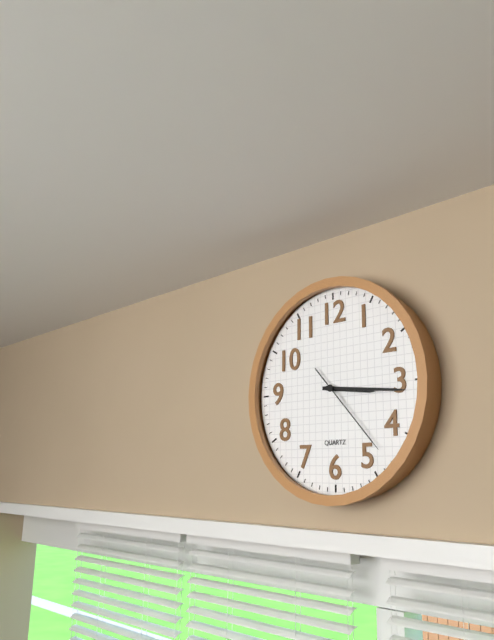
{"hour": 3, "minute": 16, "second": 23}
